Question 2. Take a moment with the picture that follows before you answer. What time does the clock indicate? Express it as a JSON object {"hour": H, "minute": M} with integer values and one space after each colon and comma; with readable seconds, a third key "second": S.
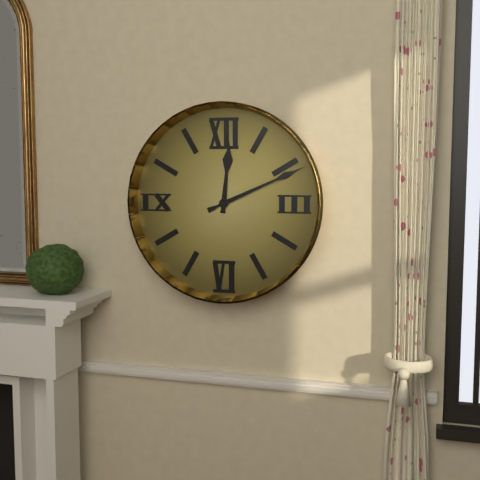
{"hour": 12, "minute": 11}
